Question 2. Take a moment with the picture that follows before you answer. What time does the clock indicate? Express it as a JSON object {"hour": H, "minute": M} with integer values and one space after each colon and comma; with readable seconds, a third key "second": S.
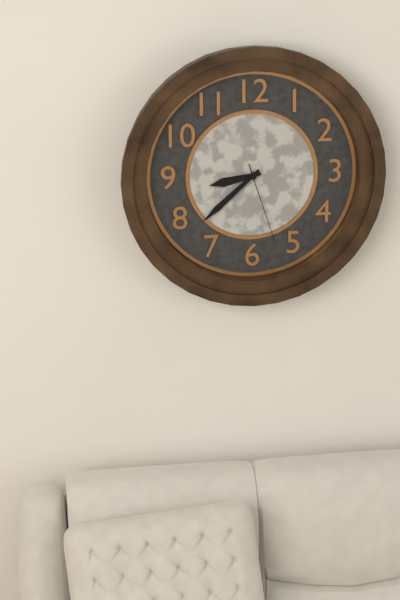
{"hour": 8, "minute": 38, "second": 27}
